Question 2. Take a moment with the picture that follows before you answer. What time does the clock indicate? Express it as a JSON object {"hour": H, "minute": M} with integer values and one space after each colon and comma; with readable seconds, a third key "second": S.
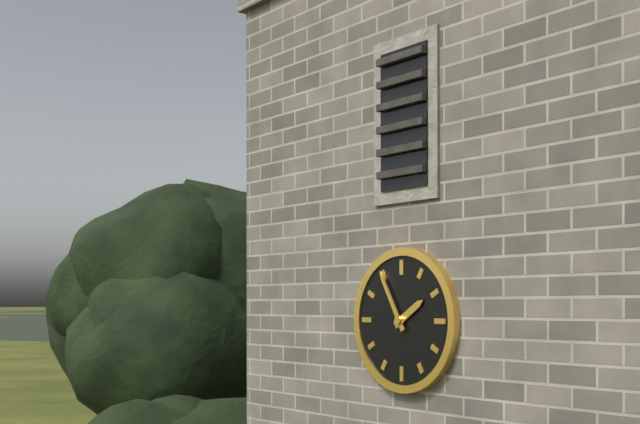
{"hour": 1, "minute": 55}
